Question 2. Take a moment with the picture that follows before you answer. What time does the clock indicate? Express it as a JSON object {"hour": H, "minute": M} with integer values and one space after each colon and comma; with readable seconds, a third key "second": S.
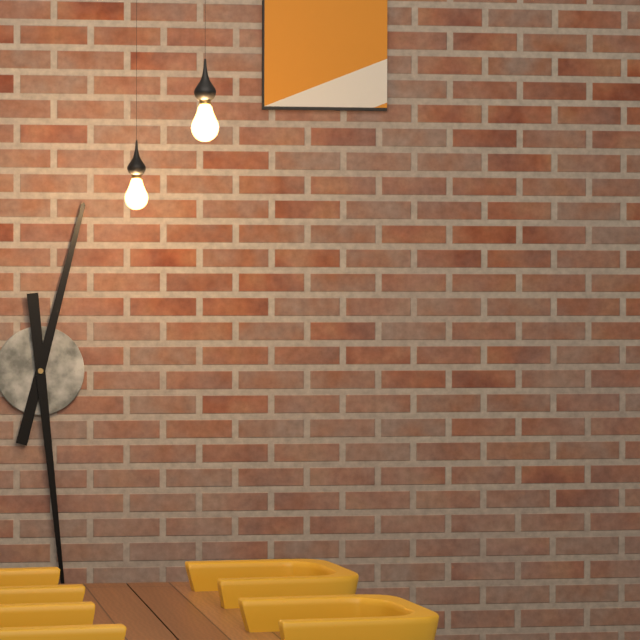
{"hour": 12, "minute": 29}
